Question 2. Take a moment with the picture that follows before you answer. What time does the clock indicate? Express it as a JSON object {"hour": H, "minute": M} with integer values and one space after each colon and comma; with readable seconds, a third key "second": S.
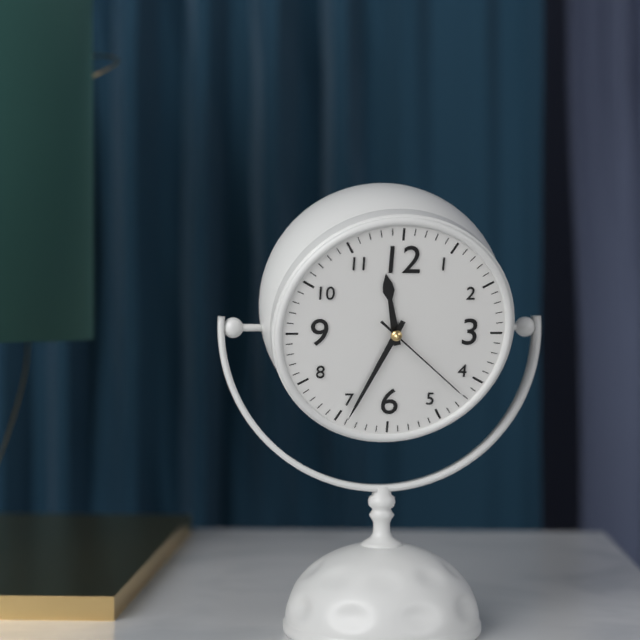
{"hour": 11, "minute": 34, "second": 22}
